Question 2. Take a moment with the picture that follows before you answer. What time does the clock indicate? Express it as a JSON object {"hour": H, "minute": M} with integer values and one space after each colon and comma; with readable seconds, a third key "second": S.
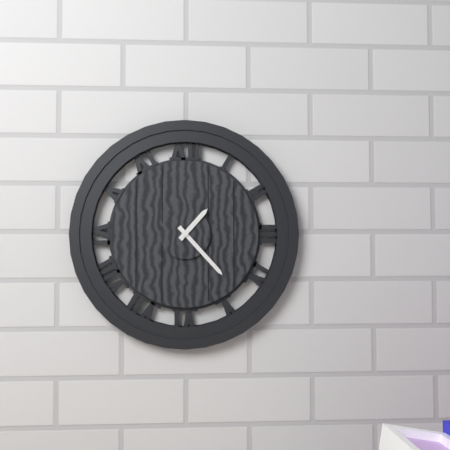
{"hour": 1, "minute": 23}
